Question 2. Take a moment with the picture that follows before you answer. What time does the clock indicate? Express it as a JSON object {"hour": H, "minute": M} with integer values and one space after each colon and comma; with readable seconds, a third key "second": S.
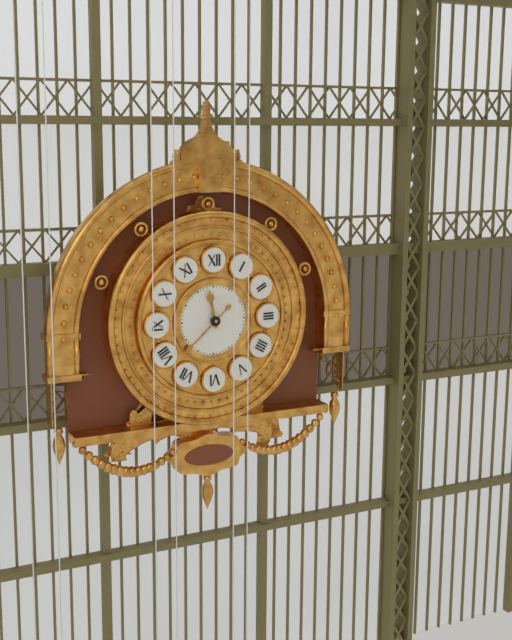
{"hour": 11, "minute": 38}
